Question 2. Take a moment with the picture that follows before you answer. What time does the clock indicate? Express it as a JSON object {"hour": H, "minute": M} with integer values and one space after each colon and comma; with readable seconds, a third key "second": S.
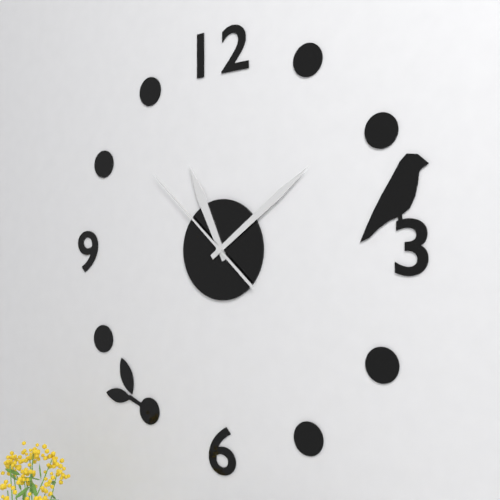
{"hour": 11, "minute": 9, "second": 52}
